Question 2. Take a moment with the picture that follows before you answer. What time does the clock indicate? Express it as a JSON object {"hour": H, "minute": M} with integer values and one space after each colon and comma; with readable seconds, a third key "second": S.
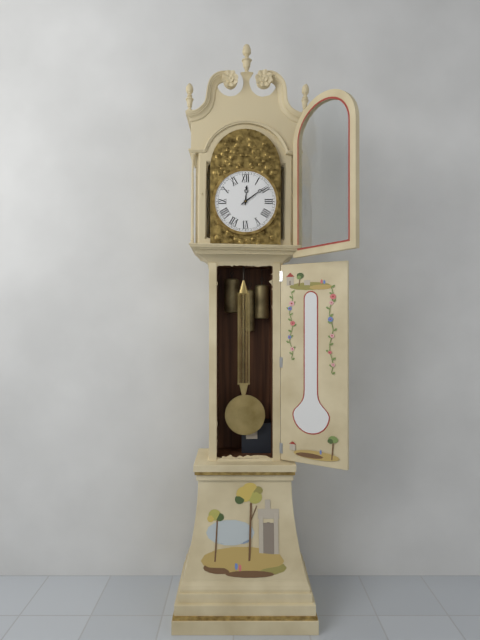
{"hour": 12, "minute": 9}
